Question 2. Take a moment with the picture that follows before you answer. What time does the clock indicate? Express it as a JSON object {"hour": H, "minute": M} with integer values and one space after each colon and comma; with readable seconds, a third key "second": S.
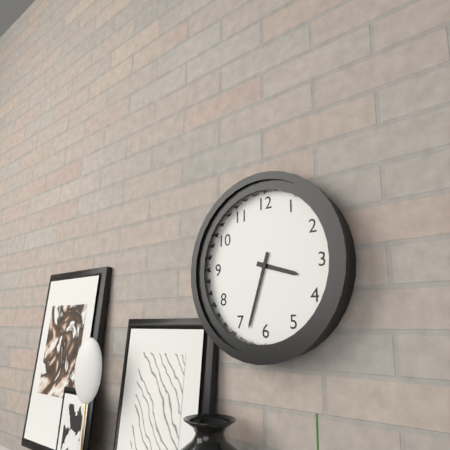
{"hour": 3, "minute": 33}
